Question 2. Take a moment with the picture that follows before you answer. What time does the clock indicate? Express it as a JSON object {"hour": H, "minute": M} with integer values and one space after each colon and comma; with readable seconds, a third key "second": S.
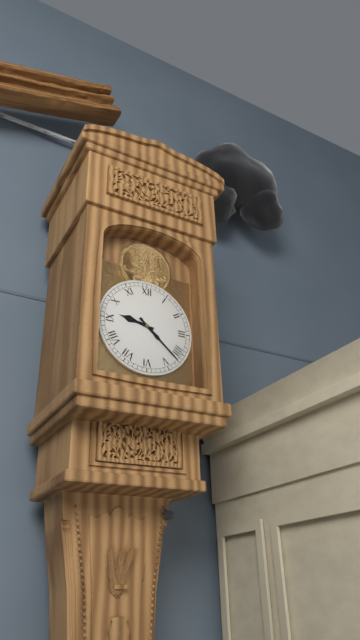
{"hour": 9, "minute": 22}
